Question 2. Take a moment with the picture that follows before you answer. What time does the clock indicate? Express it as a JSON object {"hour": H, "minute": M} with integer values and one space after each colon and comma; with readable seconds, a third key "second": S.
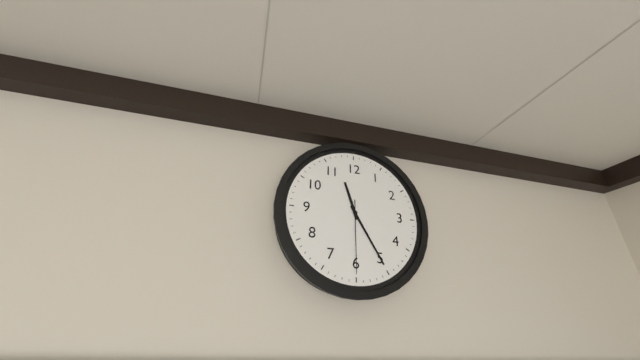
{"hour": 11, "minute": 25, "second": 30}
